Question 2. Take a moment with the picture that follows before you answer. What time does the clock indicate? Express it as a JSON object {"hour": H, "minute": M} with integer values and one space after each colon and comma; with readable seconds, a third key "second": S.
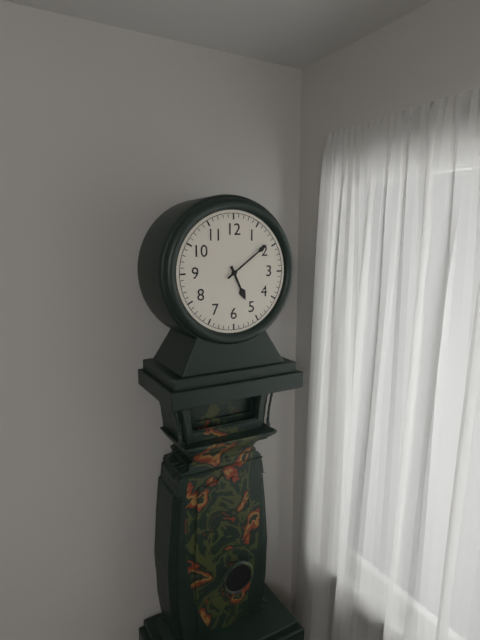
{"hour": 5, "minute": 9}
